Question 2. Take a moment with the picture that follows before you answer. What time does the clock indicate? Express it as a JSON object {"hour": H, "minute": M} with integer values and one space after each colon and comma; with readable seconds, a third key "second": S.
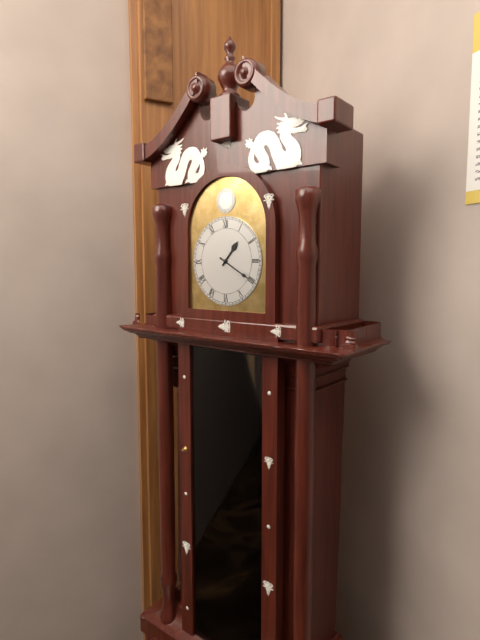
{"hour": 1, "minute": 20}
